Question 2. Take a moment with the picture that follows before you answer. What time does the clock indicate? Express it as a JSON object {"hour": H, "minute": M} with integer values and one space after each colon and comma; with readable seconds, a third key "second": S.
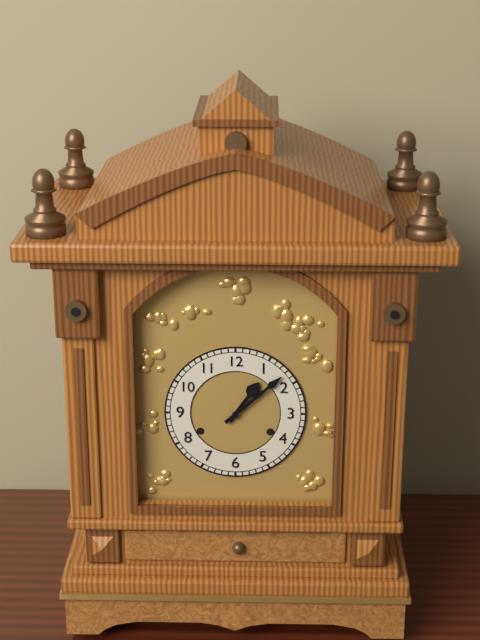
{"hour": 1, "minute": 8}
